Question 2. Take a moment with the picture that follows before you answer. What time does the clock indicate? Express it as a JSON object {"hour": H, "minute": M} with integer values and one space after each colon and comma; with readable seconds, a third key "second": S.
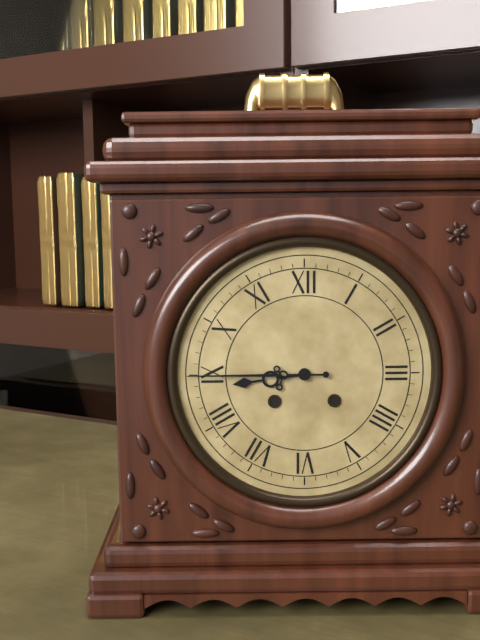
{"hour": 8, "minute": 45}
